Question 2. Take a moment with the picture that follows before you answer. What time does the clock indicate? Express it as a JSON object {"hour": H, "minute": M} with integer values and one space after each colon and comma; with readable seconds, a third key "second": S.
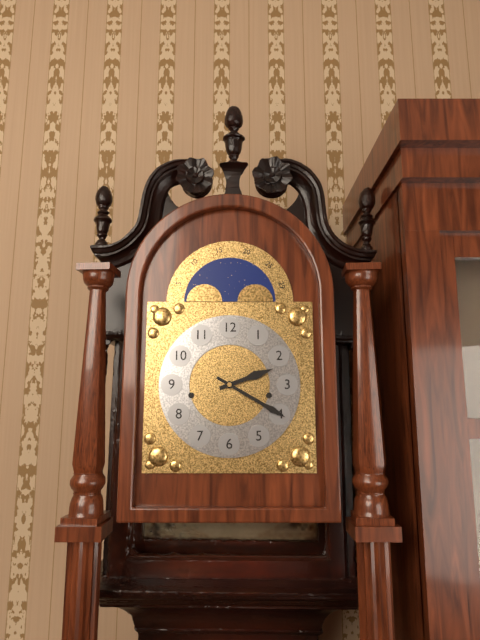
{"hour": 2, "minute": 20}
